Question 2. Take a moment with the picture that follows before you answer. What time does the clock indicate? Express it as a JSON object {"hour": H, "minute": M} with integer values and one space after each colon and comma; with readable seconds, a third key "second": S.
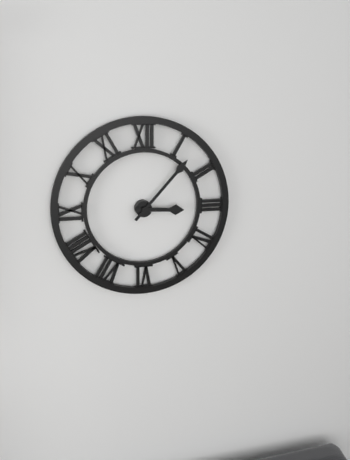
{"hour": 3, "minute": 7}
